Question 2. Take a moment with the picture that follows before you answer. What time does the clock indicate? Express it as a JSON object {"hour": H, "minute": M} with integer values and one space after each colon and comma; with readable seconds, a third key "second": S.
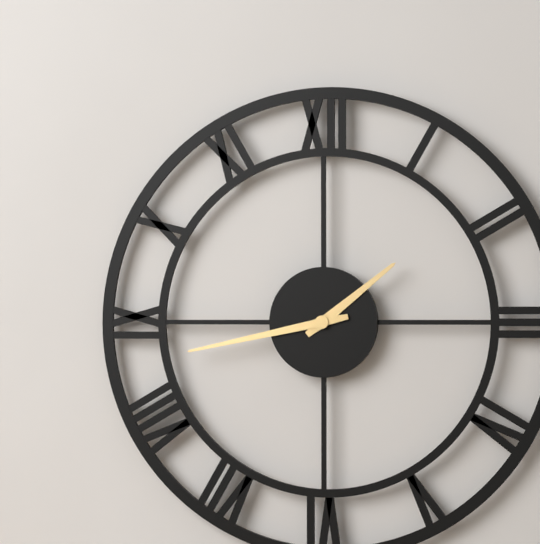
{"hour": 1, "minute": 43}
